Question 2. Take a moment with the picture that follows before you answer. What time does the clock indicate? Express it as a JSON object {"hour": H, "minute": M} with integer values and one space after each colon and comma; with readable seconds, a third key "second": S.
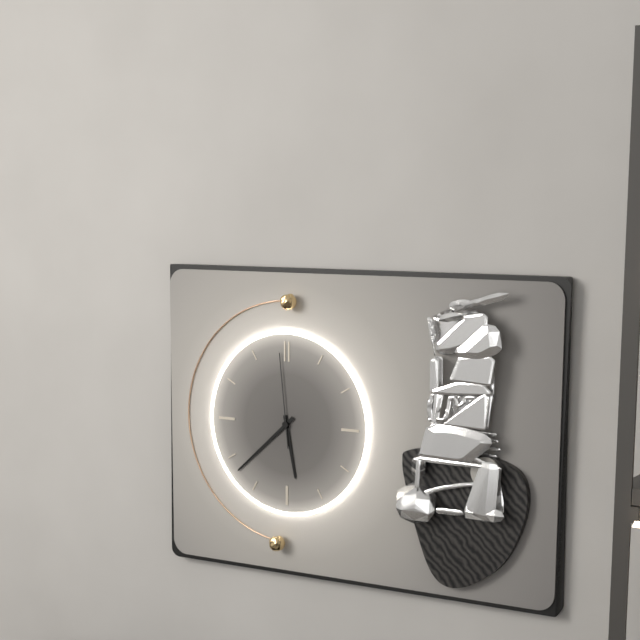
{"hour": 5, "minute": 38, "second": 59}
